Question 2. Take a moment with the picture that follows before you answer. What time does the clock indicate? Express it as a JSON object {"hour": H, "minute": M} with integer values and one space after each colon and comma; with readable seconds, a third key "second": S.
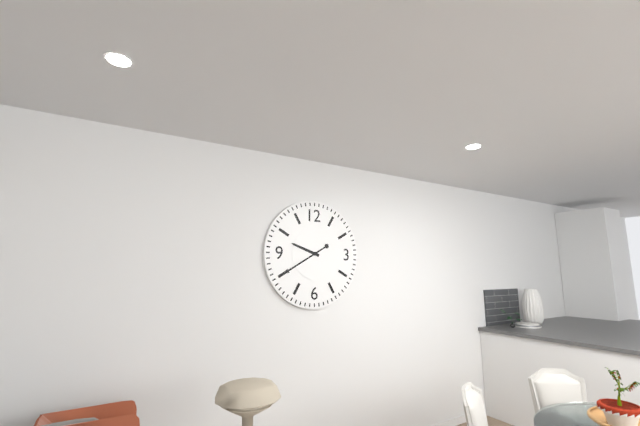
{"hour": 9, "minute": 40}
